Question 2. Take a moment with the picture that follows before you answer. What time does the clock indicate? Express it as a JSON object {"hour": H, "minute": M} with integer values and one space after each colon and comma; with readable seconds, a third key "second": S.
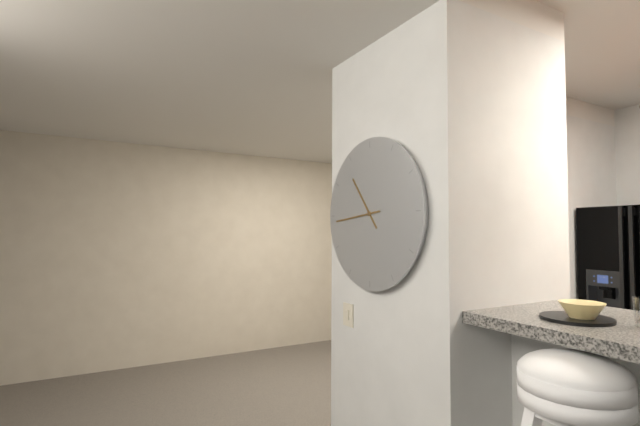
{"hour": 10, "minute": 44}
